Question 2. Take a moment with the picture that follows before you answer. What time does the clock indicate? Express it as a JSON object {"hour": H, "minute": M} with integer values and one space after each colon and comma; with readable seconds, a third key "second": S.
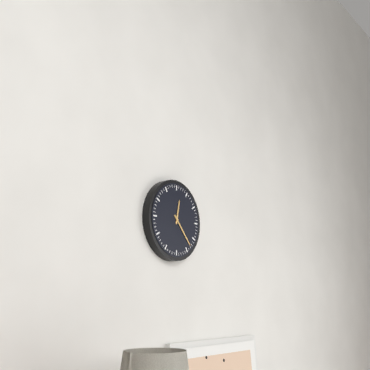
{"hour": 12, "minute": 23}
